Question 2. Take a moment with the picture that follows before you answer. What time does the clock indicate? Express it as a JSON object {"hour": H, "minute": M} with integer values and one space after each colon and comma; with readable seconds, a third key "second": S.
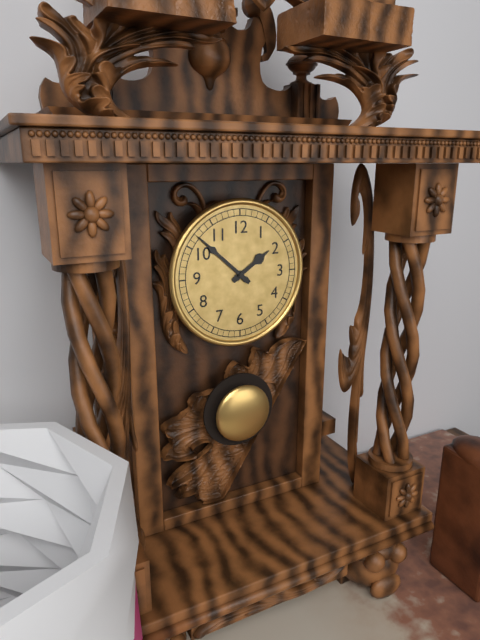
{"hour": 1, "minute": 52}
